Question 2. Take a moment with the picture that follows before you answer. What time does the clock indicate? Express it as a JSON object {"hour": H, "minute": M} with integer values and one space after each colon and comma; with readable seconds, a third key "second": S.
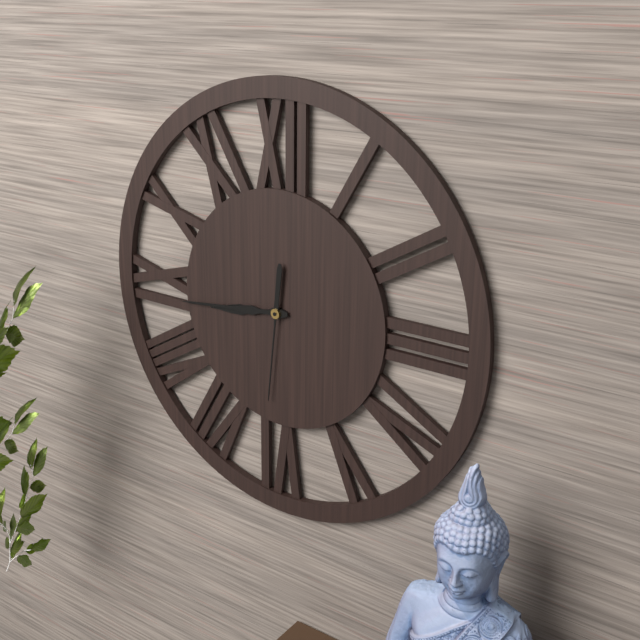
{"hour": 8, "minute": 44, "second": 31}
